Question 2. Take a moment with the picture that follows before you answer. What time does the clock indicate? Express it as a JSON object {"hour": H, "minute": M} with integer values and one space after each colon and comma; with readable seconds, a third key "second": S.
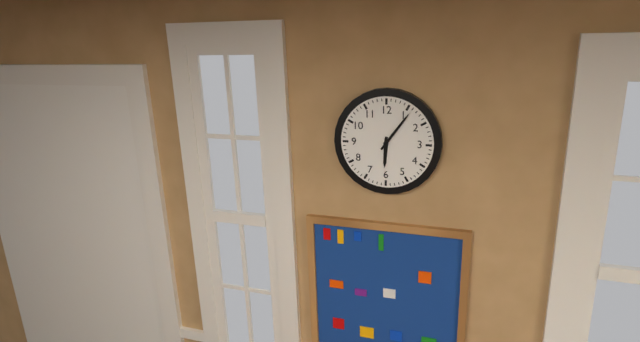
{"hour": 6, "minute": 6}
